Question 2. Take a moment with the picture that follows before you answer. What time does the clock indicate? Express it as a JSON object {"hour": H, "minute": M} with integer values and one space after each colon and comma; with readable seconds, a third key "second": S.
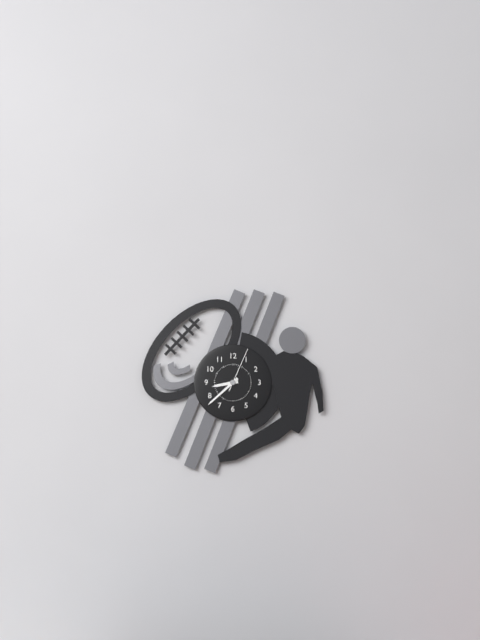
{"hour": 8, "minute": 38}
